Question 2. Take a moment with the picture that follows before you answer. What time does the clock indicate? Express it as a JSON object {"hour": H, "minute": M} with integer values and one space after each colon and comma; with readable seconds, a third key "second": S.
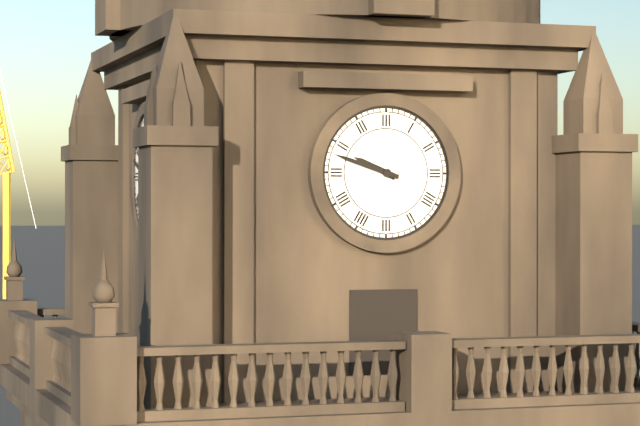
{"hour": 9, "minute": 48}
